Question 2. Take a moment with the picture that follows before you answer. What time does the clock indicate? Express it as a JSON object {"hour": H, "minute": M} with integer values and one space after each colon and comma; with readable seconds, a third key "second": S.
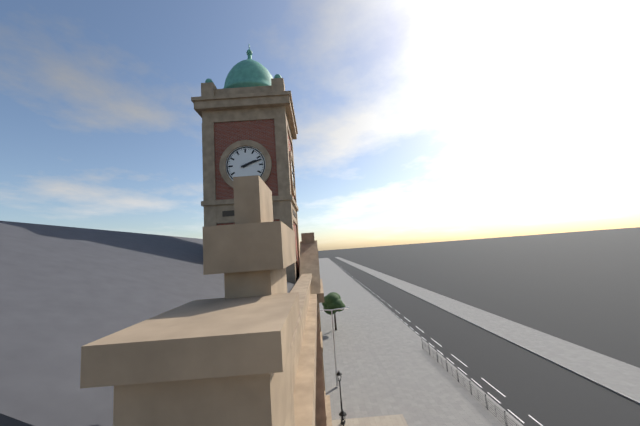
{"hour": 2, "minute": 12}
